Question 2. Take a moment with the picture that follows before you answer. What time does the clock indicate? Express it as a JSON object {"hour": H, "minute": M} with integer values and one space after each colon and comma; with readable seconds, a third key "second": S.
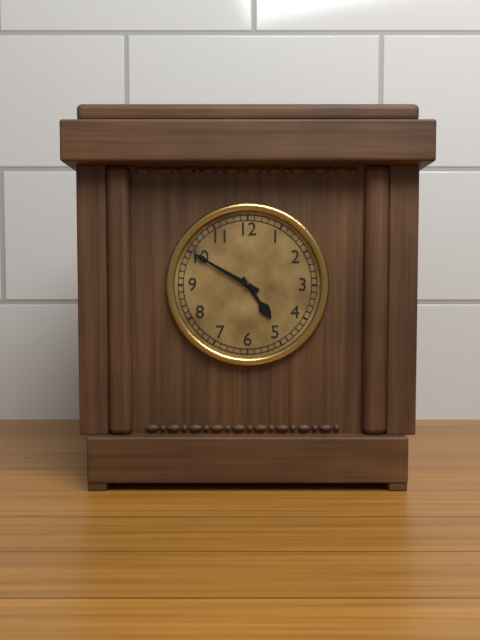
{"hour": 4, "minute": 50}
